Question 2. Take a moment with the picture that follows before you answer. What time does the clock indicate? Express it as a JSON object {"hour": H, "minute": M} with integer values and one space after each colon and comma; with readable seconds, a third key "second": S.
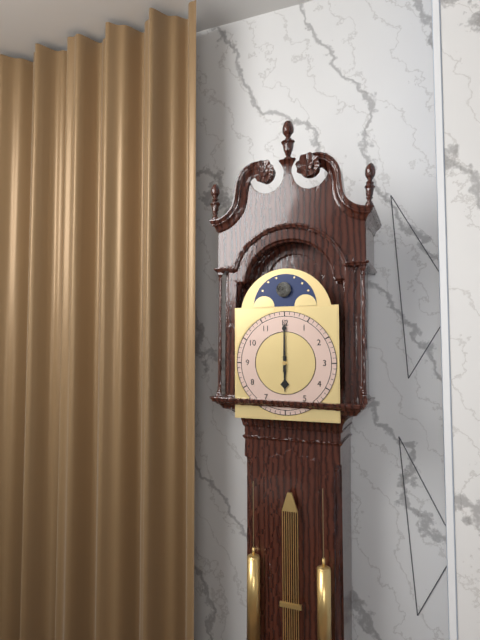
{"hour": 6, "minute": 0}
